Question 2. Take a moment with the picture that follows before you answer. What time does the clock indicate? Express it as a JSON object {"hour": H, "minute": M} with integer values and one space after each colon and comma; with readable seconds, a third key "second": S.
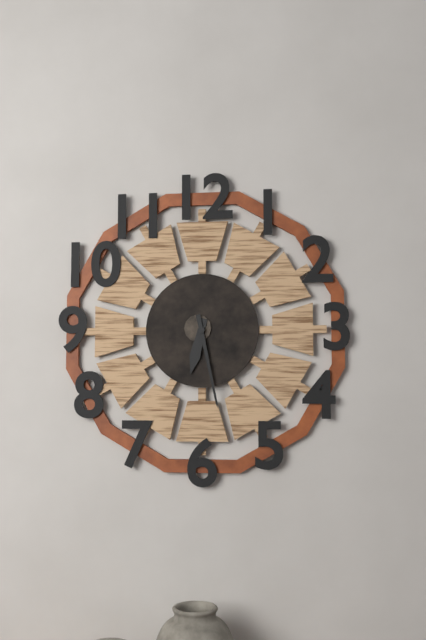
{"hour": 6, "minute": 28}
